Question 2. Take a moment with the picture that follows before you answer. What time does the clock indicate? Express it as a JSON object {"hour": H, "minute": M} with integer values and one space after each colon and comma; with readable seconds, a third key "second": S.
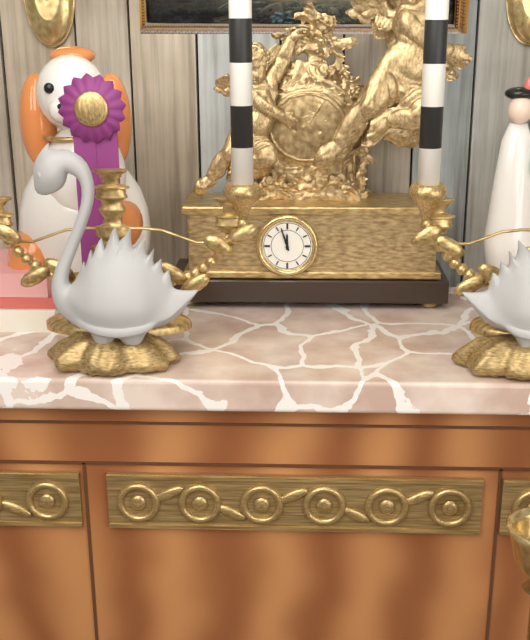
{"hour": 11, "minute": 57}
